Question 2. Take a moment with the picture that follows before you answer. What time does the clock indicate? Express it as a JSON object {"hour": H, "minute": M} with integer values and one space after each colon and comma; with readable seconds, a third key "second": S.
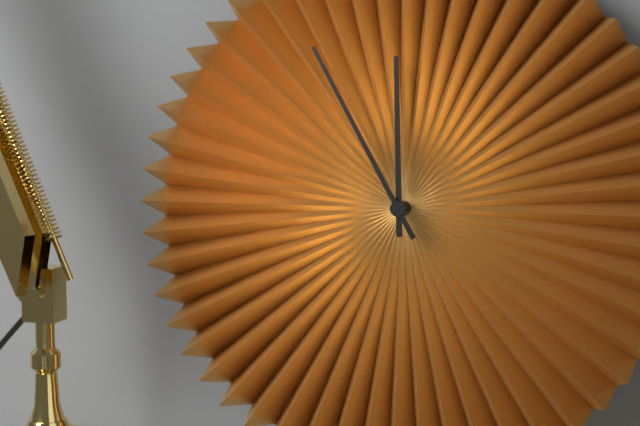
{"hour": 11, "minute": 55}
